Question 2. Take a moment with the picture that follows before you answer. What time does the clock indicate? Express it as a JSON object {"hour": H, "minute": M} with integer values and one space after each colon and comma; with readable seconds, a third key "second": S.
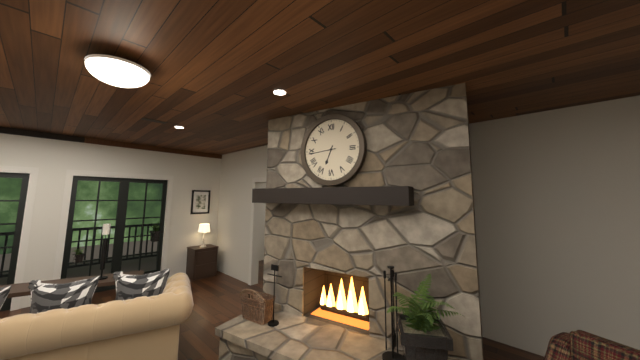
{"hour": 6, "minute": 44}
